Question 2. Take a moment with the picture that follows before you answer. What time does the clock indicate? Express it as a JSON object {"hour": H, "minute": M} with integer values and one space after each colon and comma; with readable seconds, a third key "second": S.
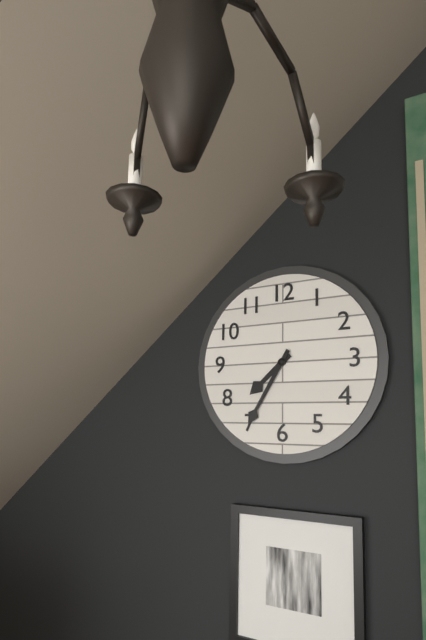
{"hour": 7, "minute": 35}
